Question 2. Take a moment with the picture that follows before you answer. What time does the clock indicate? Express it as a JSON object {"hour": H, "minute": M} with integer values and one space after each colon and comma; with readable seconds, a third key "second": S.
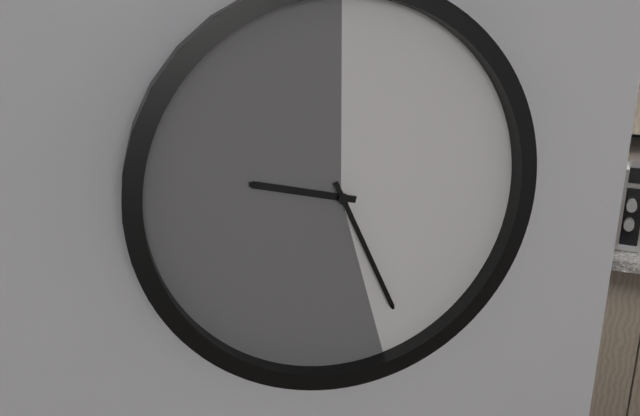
{"hour": 9, "minute": 26}
